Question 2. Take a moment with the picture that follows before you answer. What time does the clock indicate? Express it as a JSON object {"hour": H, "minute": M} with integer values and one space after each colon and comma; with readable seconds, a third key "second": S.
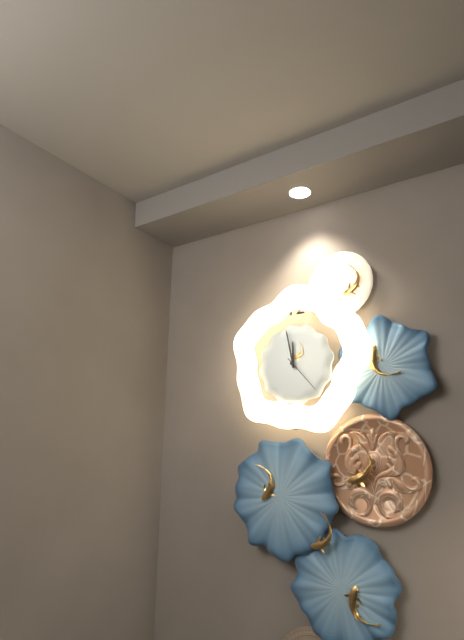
{"hour": 11, "minute": 58}
